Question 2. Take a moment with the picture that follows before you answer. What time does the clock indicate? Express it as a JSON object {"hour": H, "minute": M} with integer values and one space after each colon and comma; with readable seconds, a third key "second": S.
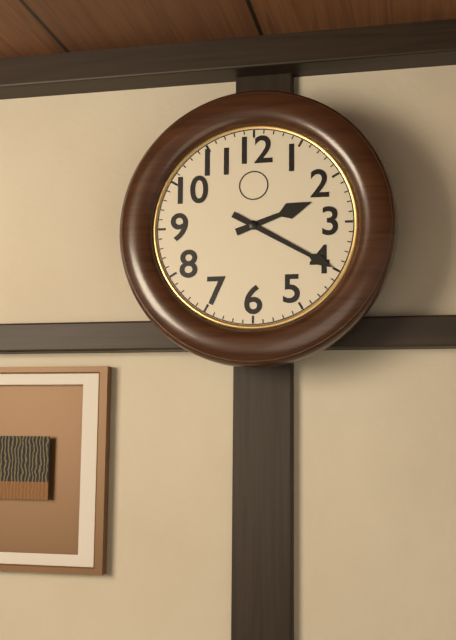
{"hour": 2, "minute": 20}
